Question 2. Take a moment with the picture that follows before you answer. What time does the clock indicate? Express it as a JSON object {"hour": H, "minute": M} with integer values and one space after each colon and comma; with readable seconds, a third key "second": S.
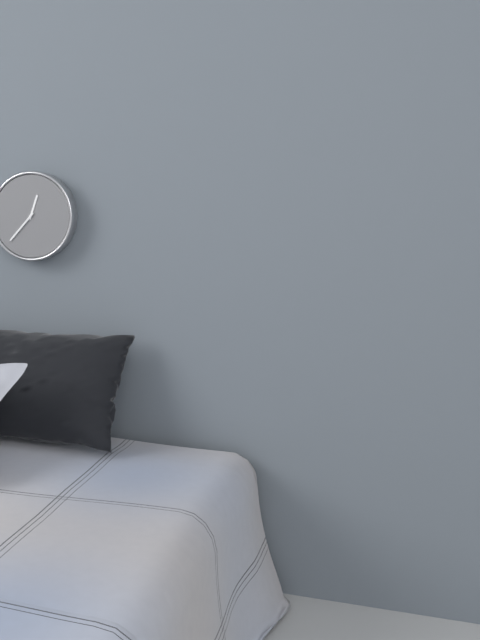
{"hour": 12, "minute": 37}
